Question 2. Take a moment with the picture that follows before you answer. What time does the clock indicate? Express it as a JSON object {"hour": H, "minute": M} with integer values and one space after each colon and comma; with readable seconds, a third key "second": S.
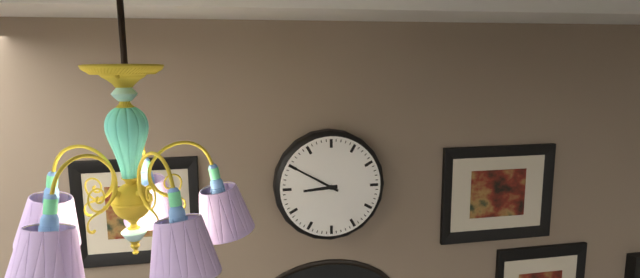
{"hour": 8, "minute": 50}
